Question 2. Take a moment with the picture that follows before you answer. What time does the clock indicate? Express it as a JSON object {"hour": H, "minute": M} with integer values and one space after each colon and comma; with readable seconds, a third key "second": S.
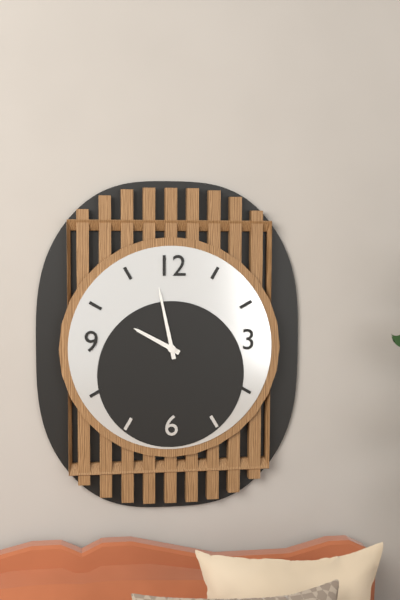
{"hour": 9, "minute": 58}
